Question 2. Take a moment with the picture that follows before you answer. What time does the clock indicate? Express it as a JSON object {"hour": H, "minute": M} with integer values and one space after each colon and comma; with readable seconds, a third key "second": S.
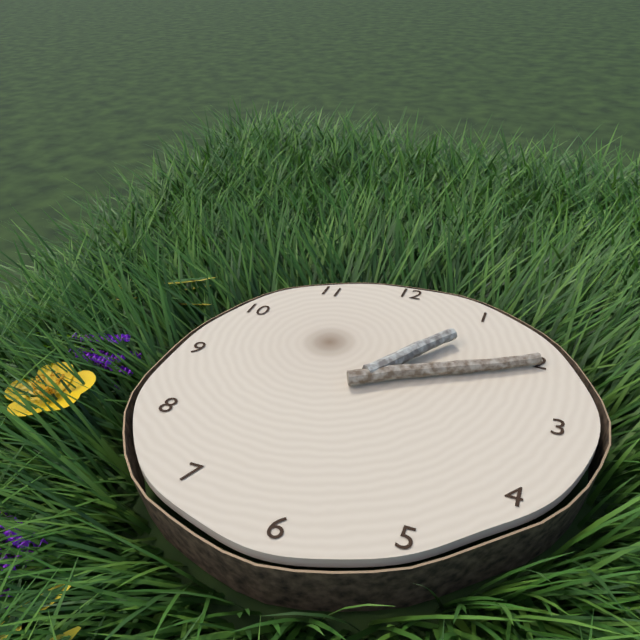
{"hour": 1, "minute": 10}
